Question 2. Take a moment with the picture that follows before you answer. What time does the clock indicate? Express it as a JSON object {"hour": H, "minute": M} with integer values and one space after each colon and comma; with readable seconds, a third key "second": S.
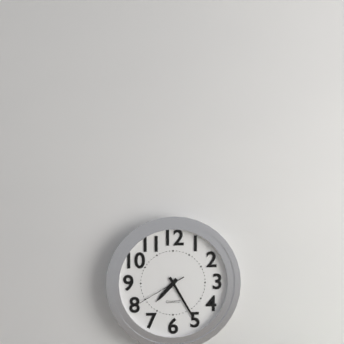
{"hour": 7, "minute": 25, "second": 40}
